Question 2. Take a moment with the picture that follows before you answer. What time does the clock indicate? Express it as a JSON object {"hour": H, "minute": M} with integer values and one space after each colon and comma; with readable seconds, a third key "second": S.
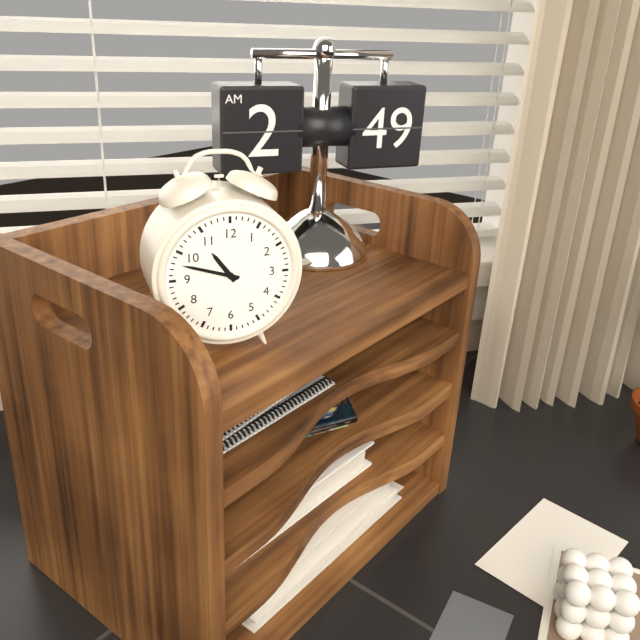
{"hour": 10, "minute": 48}
